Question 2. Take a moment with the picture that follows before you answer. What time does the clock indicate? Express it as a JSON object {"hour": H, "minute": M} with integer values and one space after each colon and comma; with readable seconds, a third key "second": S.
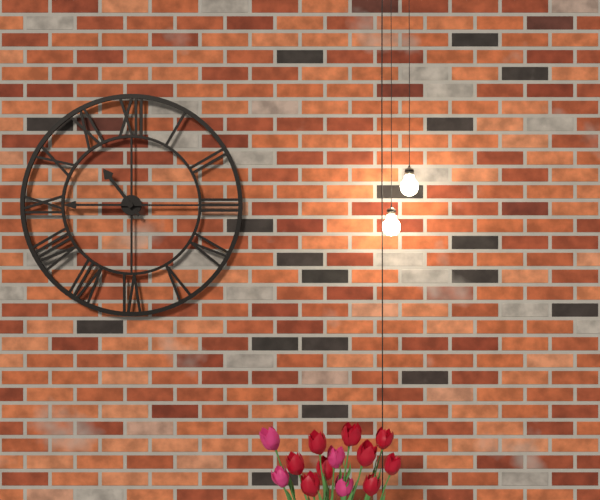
{"hour": 10, "minute": 45}
